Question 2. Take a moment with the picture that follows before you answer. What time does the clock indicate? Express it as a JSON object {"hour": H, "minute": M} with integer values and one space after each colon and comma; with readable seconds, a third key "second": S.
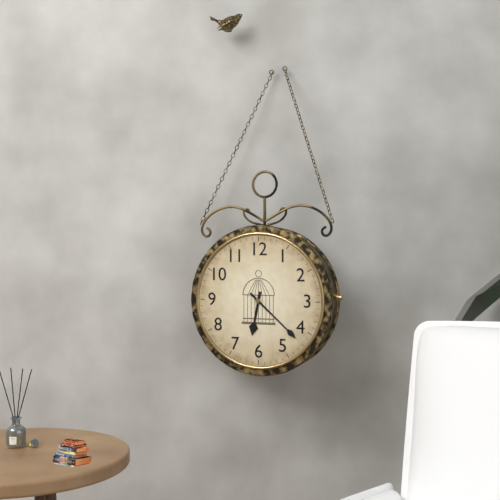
{"hour": 6, "minute": 22}
